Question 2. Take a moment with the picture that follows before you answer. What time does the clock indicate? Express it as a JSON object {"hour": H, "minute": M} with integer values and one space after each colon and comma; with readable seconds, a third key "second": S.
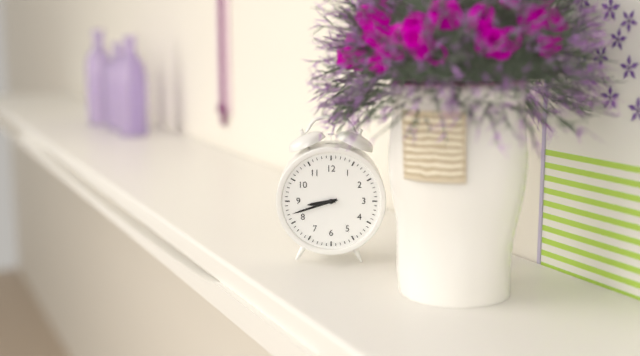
{"hour": 8, "minute": 42}
